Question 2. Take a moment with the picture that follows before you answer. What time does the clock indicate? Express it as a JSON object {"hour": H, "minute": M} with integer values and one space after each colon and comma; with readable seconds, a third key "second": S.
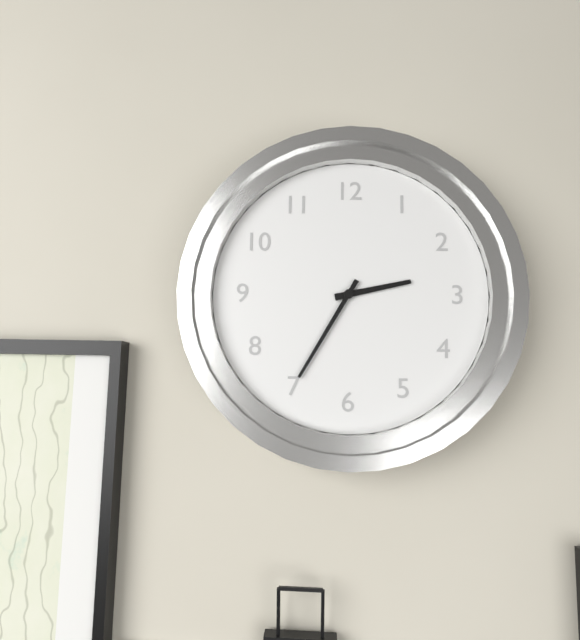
{"hour": 2, "minute": 35}
